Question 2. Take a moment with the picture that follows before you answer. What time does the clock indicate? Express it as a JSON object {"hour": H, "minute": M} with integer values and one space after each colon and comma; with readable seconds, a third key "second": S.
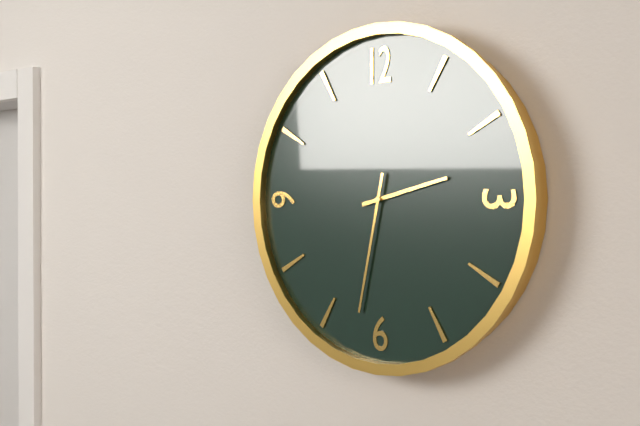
{"hour": 2, "minute": 32}
